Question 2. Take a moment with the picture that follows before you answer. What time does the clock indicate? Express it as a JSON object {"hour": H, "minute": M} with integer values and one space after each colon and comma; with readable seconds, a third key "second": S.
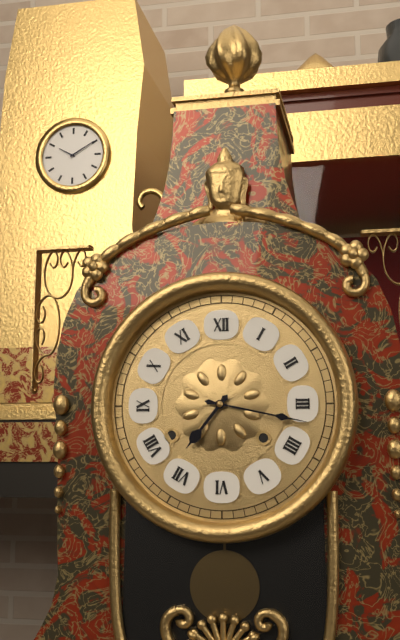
{"hour": 7, "minute": 17}
